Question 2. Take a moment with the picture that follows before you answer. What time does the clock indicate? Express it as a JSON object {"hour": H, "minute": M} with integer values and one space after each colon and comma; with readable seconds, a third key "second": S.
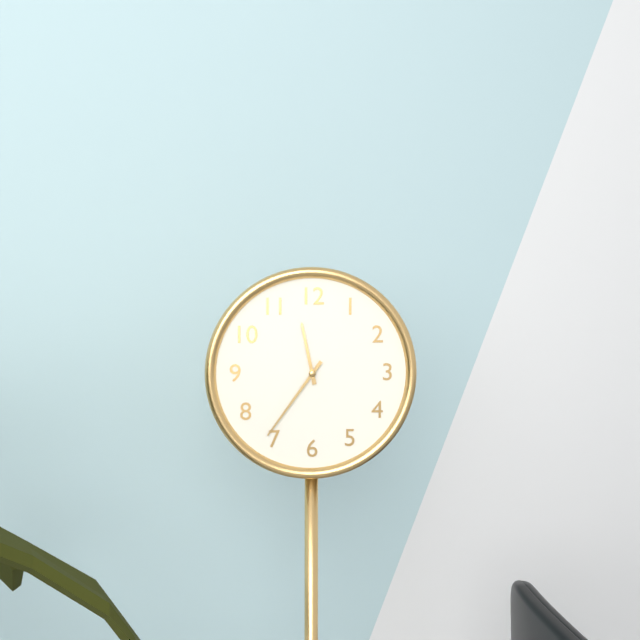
{"hour": 11, "minute": 36}
